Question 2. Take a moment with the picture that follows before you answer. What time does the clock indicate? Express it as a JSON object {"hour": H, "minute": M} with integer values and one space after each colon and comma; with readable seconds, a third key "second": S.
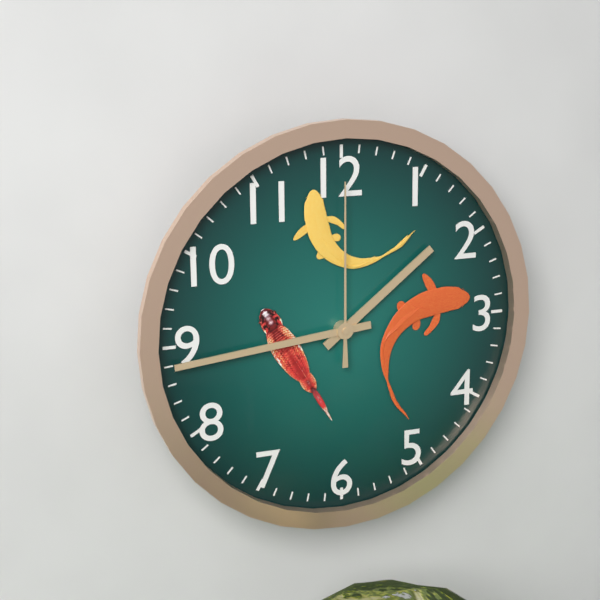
{"hour": 1, "minute": 44, "second": 0}
